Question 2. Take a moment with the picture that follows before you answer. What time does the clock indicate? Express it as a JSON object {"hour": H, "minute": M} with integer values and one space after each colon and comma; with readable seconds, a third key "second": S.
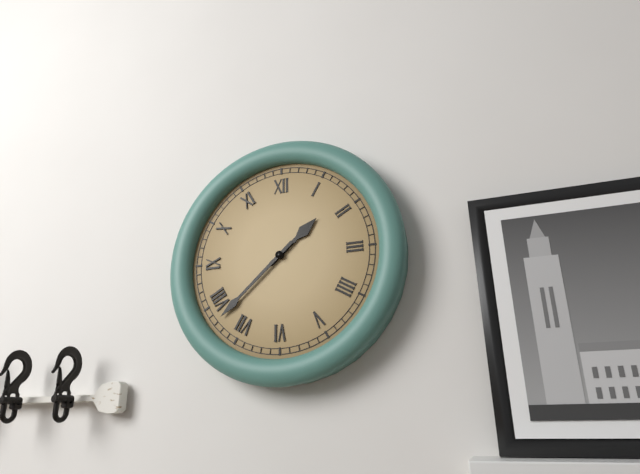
{"hour": 1, "minute": 38}
